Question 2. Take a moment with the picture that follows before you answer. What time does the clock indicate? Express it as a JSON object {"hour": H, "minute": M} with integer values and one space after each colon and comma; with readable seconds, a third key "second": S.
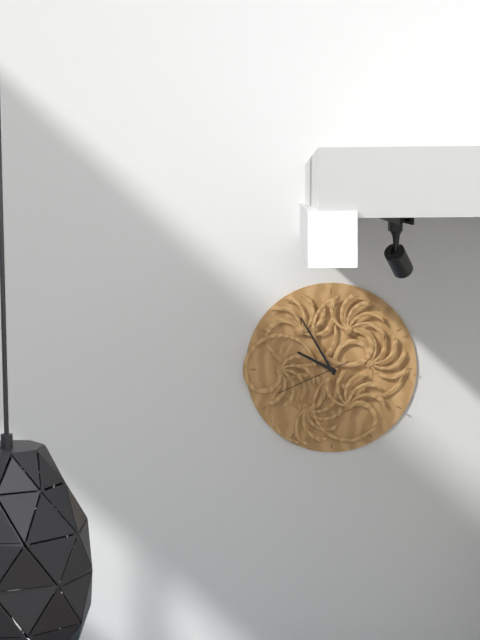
{"hour": 9, "minute": 55, "second": 41}
